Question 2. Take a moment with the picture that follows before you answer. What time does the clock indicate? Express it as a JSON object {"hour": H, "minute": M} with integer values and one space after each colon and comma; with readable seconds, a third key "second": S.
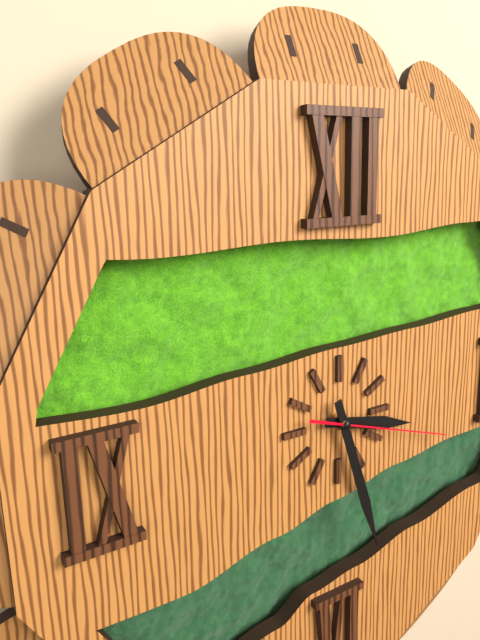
{"hour": 3, "minute": 27, "second": 18}
